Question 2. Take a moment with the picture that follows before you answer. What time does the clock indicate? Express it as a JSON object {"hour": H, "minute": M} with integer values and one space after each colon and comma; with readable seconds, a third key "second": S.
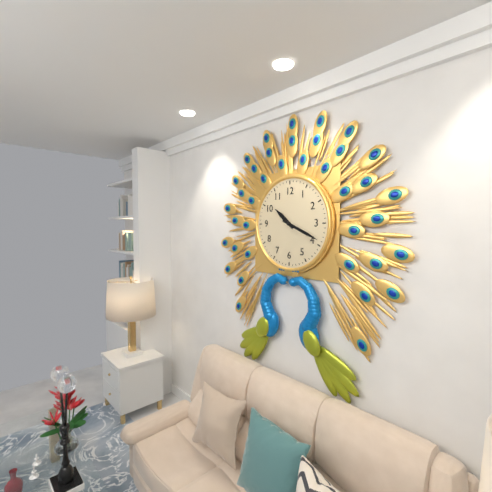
{"hour": 10, "minute": 19}
